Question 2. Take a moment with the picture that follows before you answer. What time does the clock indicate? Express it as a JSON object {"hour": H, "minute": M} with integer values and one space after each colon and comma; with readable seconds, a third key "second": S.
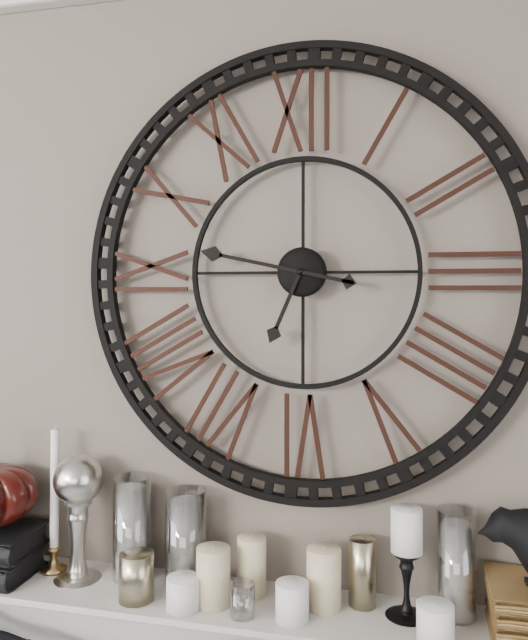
{"hour": 6, "minute": 47}
